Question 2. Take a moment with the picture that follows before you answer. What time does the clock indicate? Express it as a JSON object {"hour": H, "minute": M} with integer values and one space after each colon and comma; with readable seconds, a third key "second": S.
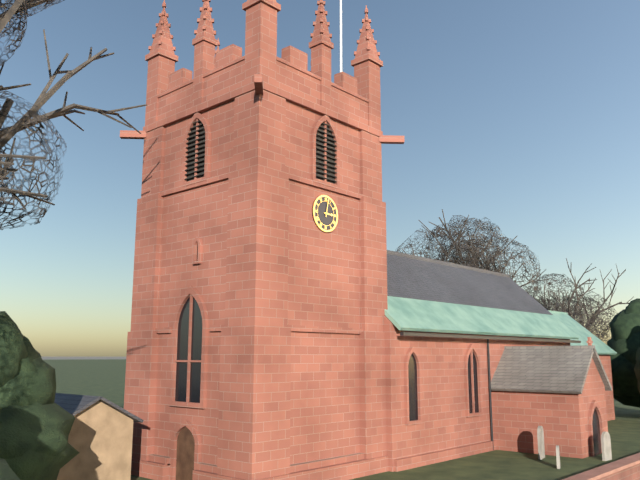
{"hour": 3, "minute": 2}
